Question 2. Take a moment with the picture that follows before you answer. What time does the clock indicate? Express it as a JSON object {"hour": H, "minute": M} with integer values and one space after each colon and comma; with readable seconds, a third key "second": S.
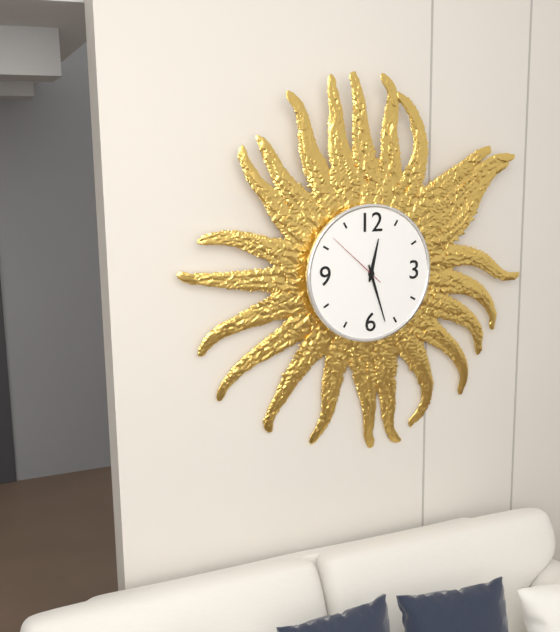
{"hour": 12, "minute": 27, "second": 52}
